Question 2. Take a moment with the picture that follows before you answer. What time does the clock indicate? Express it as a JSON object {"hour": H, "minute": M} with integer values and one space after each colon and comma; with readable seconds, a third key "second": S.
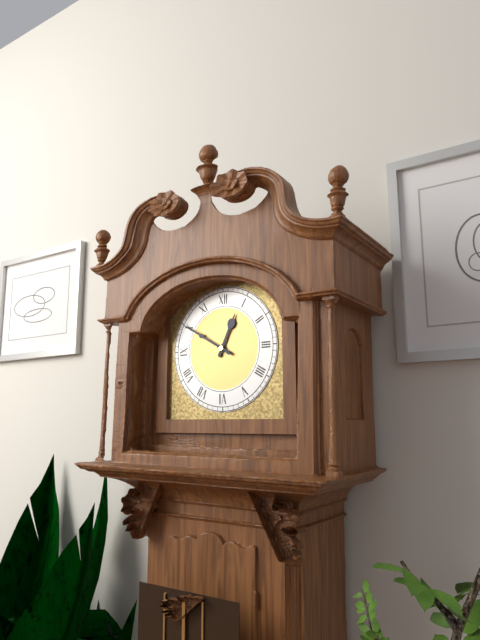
{"hour": 12, "minute": 50}
